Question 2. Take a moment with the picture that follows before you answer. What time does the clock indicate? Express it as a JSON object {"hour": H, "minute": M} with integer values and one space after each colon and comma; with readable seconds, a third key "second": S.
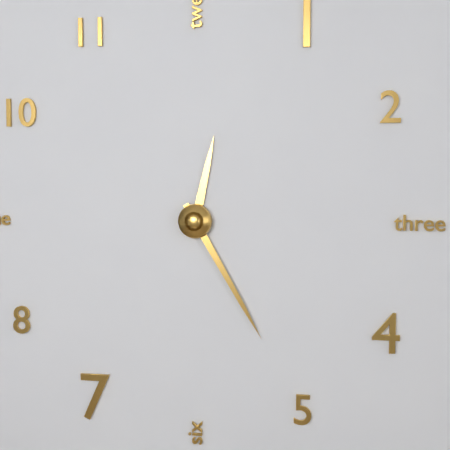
{"hour": 12, "minute": 25}
